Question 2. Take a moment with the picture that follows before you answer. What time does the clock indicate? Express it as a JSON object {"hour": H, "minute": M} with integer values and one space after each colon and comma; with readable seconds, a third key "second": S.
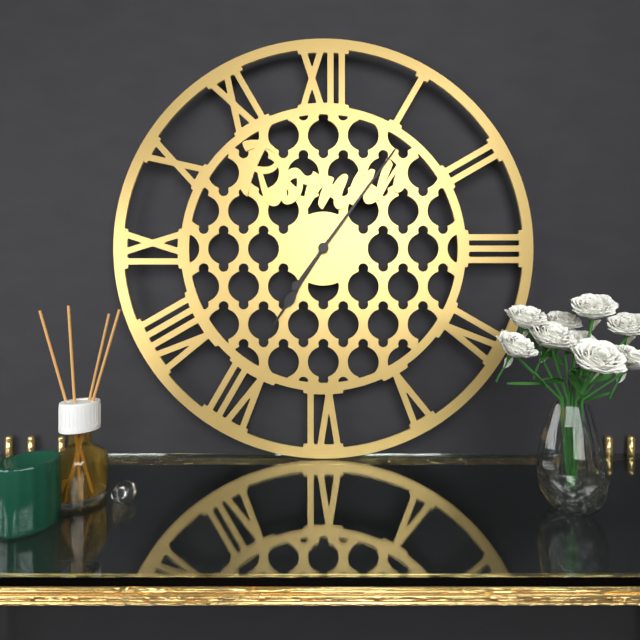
{"hour": 7, "minute": 6}
